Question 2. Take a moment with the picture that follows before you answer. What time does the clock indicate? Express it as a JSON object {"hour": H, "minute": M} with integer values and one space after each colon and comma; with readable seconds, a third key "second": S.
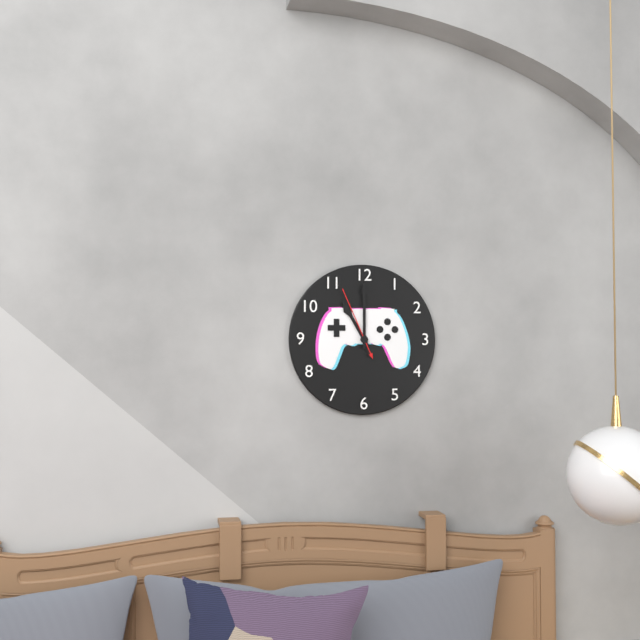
{"hour": 11, "minute": 0, "second": 56}
